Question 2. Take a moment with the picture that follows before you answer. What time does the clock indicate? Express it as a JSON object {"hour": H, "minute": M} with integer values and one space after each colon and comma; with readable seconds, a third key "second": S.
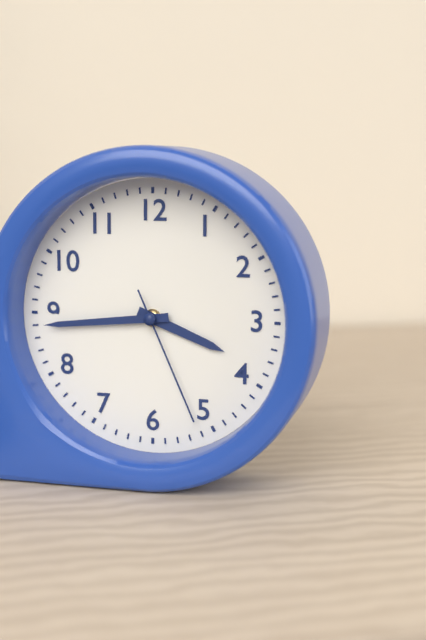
{"hour": 3, "minute": 44, "second": 26}
